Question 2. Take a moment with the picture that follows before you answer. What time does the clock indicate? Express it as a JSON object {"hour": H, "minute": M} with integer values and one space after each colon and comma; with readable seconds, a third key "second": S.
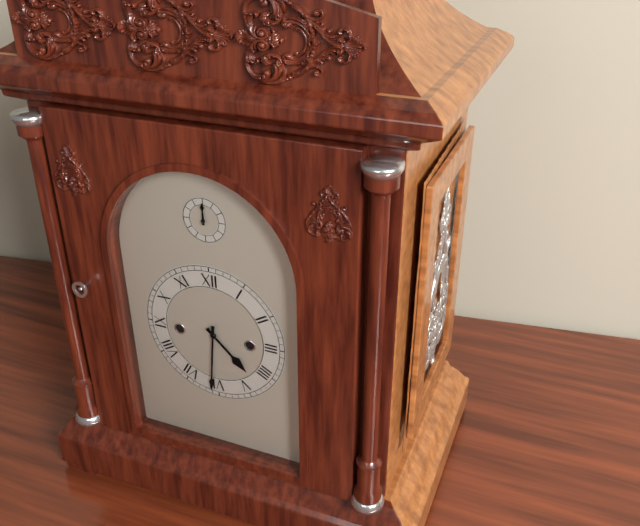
{"hour": 4, "minute": 31}
